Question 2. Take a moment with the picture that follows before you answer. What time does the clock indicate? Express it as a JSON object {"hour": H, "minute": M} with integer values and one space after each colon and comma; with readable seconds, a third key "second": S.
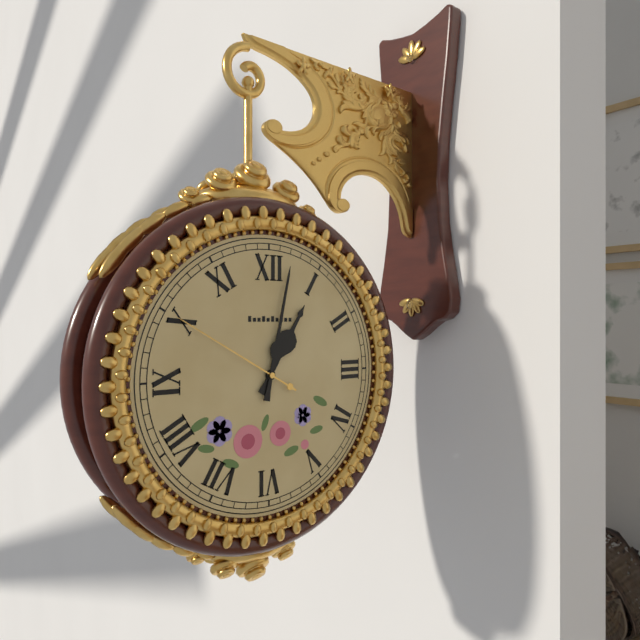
{"hour": 1, "minute": 2, "second": 50}
